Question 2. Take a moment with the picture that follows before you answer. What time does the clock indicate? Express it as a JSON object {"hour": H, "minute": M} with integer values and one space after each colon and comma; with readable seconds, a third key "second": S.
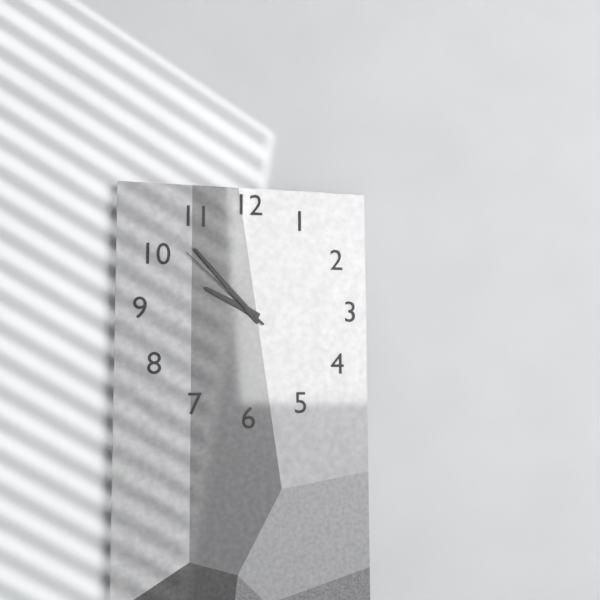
{"hour": 9, "minute": 53, "second": 52}
